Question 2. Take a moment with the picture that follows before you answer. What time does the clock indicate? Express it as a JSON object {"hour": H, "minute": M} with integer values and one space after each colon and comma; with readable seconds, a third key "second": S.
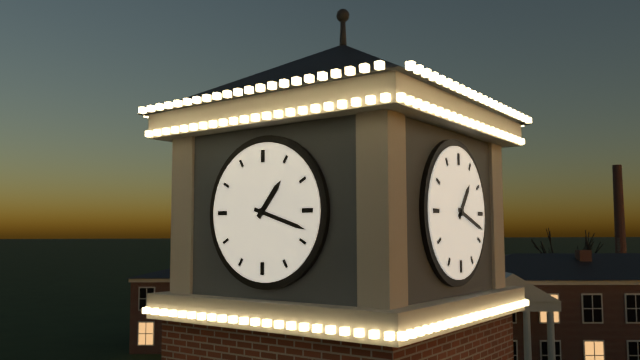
{"hour": 1, "minute": 18}
